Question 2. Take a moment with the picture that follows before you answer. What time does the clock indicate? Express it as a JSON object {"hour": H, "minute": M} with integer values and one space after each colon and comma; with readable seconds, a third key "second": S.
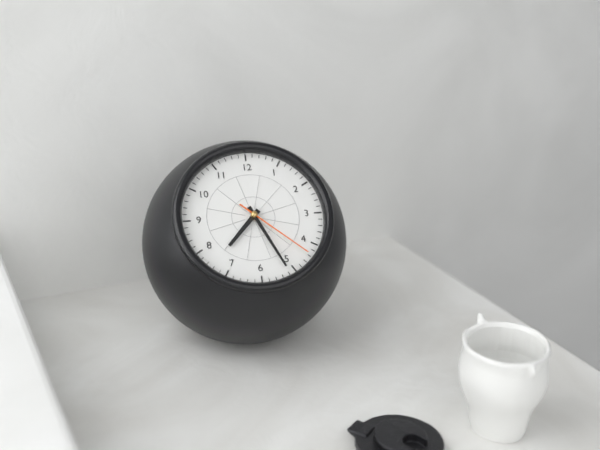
{"hour": 7, "minute": 26, "second": 22}
